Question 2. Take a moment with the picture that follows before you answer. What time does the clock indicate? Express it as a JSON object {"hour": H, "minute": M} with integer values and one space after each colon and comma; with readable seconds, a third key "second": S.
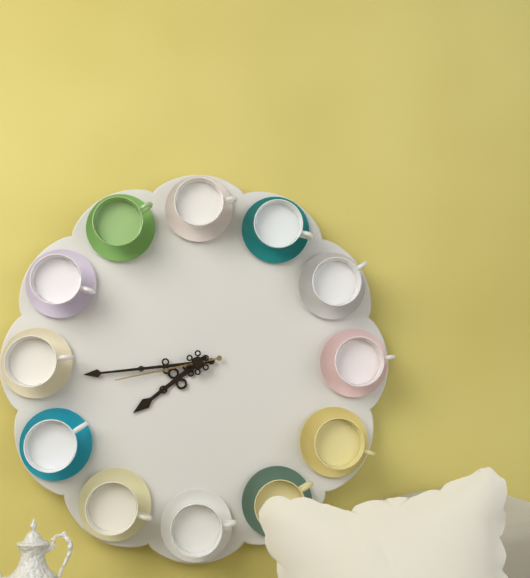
{"hour": 7, "minute": 44, "second": 43}
